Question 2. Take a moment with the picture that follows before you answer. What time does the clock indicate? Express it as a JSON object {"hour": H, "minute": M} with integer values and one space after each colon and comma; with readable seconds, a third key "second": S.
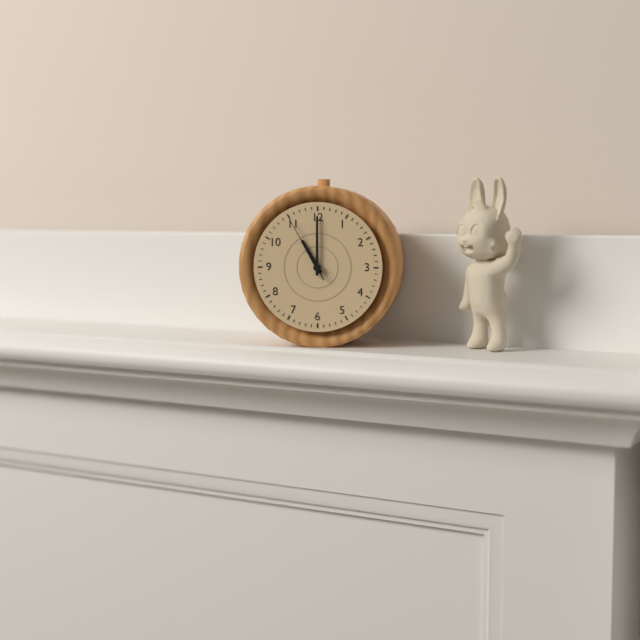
{"hour": 11, "minute": 0, "second": 55}
